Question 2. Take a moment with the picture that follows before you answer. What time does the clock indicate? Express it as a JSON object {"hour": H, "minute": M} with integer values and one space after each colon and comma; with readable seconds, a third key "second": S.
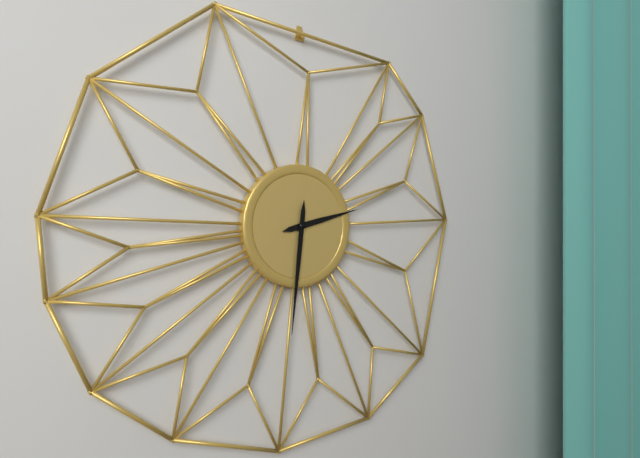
{"hour": 2, "minute": 31}
